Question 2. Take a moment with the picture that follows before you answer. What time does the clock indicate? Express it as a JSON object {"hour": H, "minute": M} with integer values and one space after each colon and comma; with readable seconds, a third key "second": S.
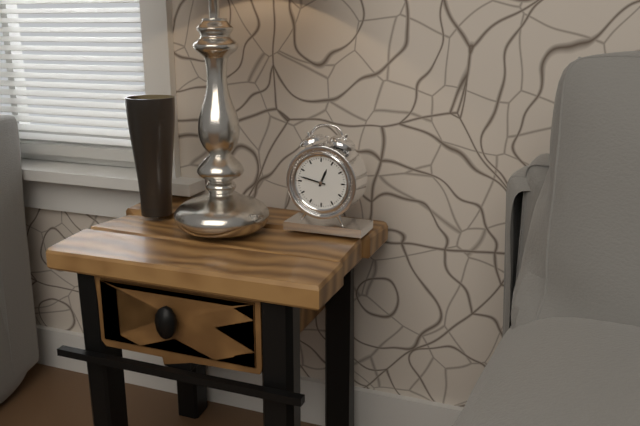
{"hour": 12, "minute": 47}
